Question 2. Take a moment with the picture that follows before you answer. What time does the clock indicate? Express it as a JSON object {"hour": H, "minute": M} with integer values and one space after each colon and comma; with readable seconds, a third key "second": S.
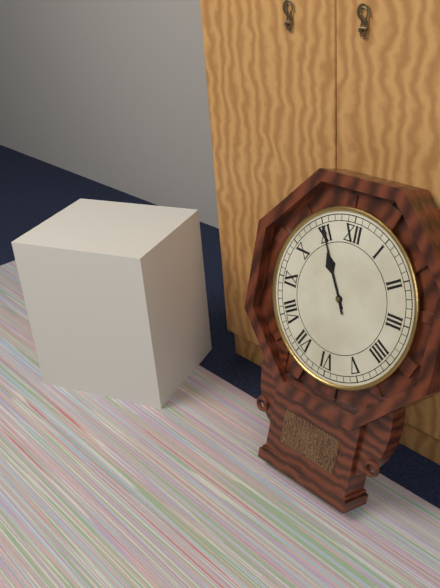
{"hour": 10, "minute": 55}
